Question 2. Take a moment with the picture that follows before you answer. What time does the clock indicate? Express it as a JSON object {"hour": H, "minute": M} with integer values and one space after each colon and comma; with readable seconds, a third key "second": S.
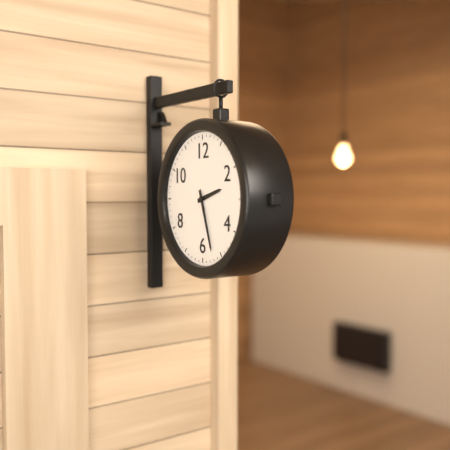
{"hour": 2, "minute": 27}
